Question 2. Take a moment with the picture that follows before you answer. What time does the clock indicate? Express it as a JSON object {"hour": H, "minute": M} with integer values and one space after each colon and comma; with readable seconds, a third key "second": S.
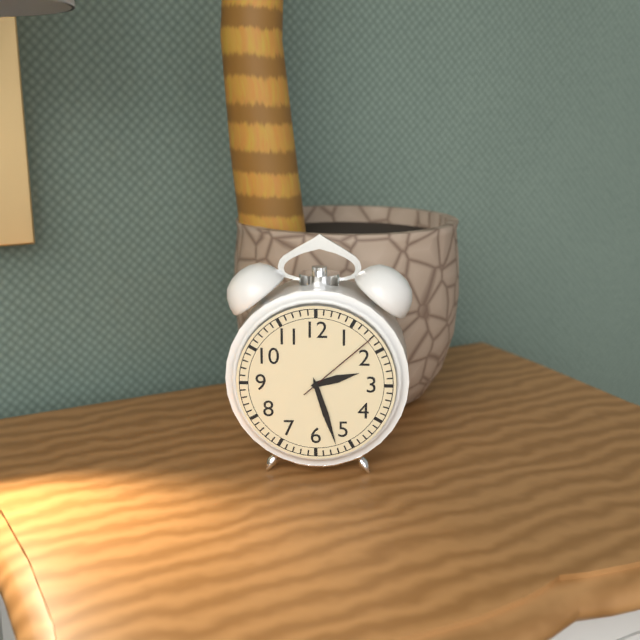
{"hour": 2, "minute": 27, "second": 8}
